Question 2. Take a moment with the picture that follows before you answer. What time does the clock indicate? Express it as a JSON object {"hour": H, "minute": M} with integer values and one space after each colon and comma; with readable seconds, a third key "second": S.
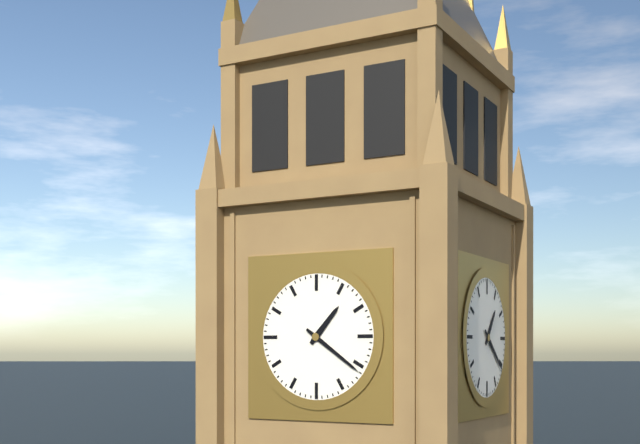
{"hour": 1, "minute": 21}
